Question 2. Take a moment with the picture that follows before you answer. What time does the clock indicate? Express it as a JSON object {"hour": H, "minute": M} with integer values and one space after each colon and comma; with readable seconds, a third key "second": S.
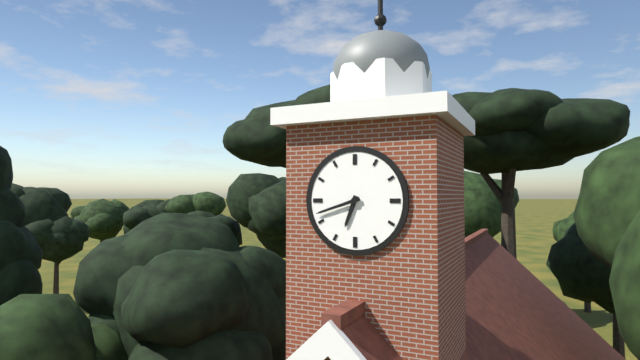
{"hour": 6, "minute": 42}
